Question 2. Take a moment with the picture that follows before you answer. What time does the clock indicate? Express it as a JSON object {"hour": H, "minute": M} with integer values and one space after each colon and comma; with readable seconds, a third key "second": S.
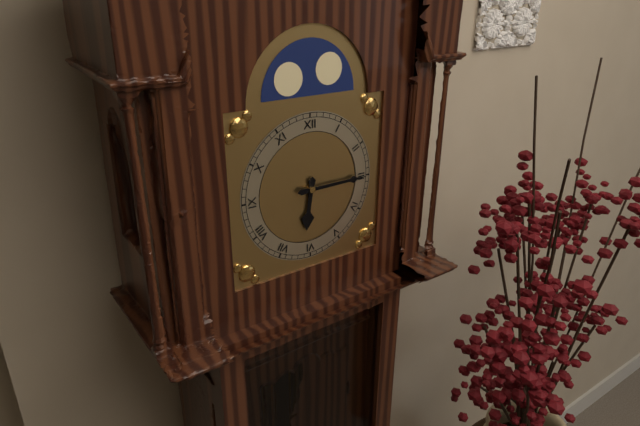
{"hour": 6, "minute": 15}
